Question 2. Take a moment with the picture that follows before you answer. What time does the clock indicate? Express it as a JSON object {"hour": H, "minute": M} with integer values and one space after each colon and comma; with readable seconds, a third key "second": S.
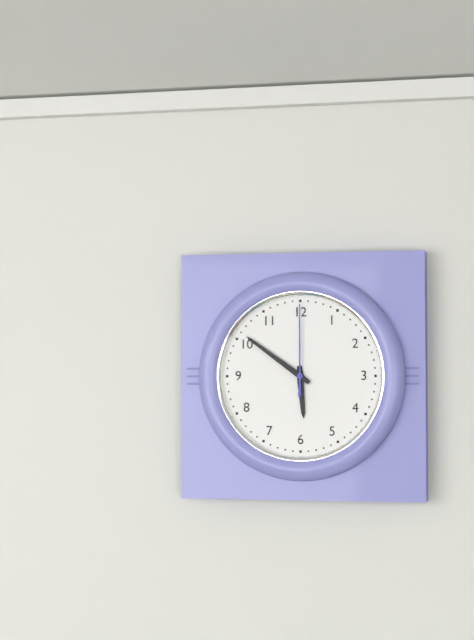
{"hour": 5, "minute": 51, "second": 0}
